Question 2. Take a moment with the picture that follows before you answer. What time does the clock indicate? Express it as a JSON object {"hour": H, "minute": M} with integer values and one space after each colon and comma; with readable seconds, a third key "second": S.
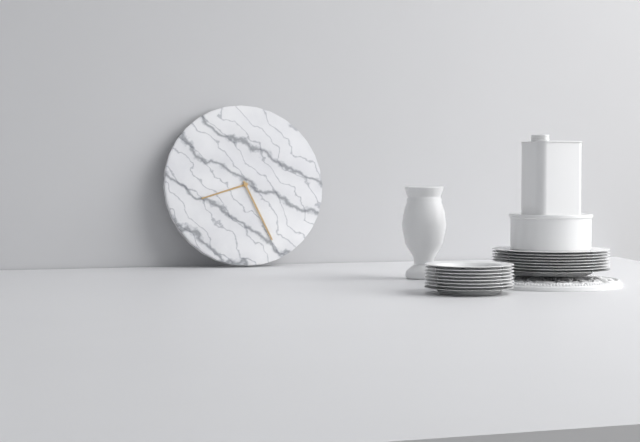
{"hour": 8, "minute": 26}
